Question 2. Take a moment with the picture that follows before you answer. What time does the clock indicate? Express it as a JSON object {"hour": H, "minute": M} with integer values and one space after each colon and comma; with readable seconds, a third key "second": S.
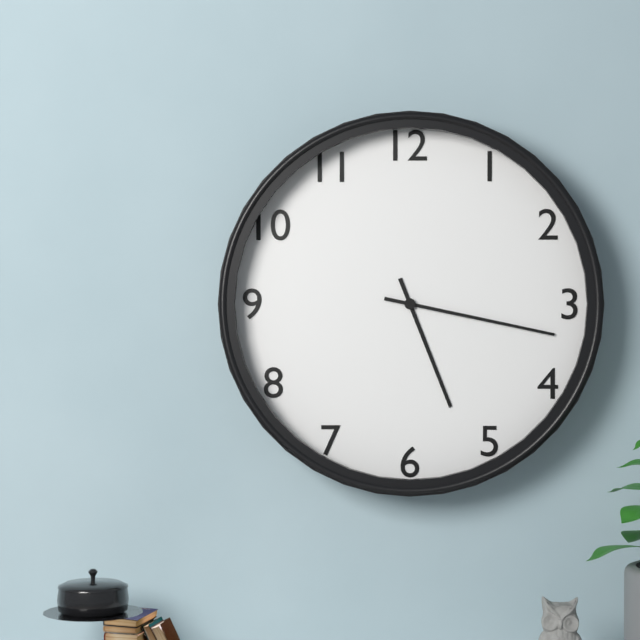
{"hour": 5, "minute": 17}
